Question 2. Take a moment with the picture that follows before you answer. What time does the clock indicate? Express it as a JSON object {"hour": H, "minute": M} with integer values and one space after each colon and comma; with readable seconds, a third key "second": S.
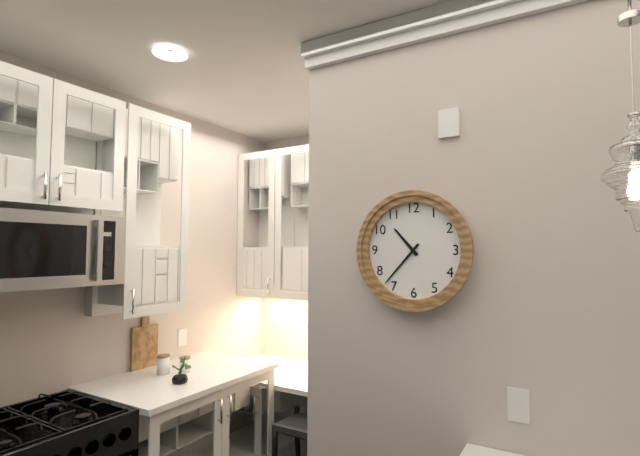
{"hour": 10, "minute": 37}
